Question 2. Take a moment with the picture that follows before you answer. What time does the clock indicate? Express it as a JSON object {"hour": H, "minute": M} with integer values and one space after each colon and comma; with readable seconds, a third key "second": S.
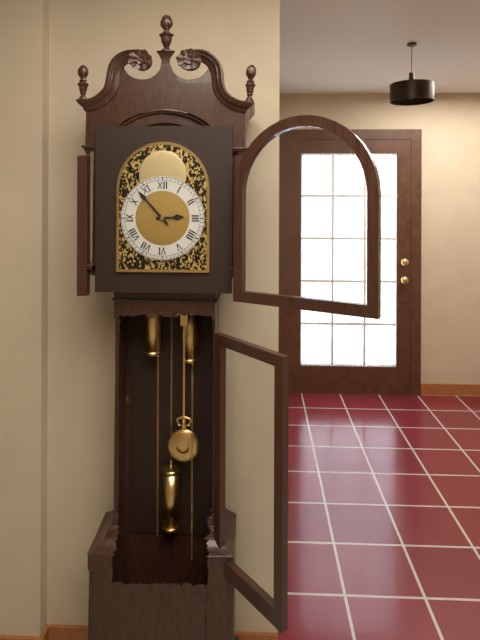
{"hour": 2, "minute": 53}
